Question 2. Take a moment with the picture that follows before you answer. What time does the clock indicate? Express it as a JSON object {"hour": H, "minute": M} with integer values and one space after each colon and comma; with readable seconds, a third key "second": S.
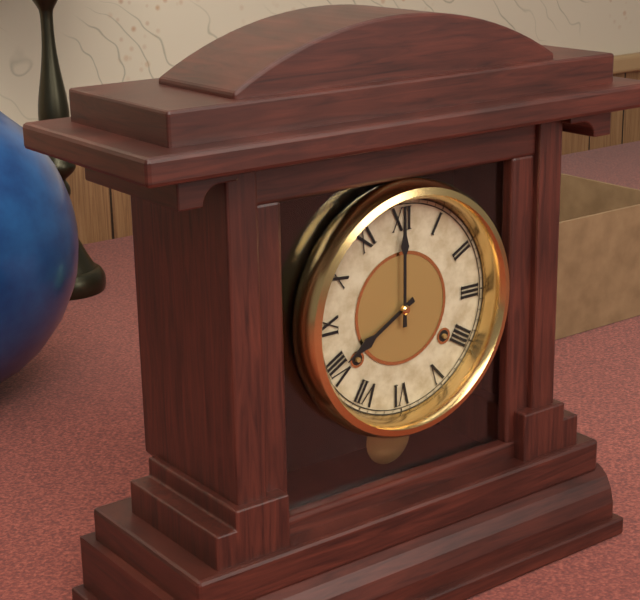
{"hour": 8, "minute": 0}
